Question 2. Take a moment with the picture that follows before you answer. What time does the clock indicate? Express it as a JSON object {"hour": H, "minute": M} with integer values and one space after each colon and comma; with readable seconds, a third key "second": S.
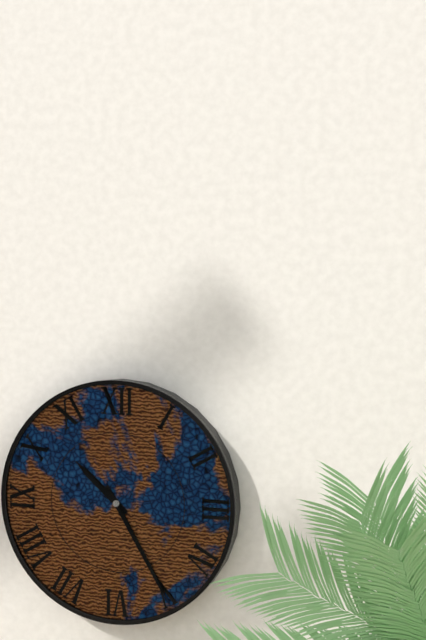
{"hour": 10, "minute": 25}
